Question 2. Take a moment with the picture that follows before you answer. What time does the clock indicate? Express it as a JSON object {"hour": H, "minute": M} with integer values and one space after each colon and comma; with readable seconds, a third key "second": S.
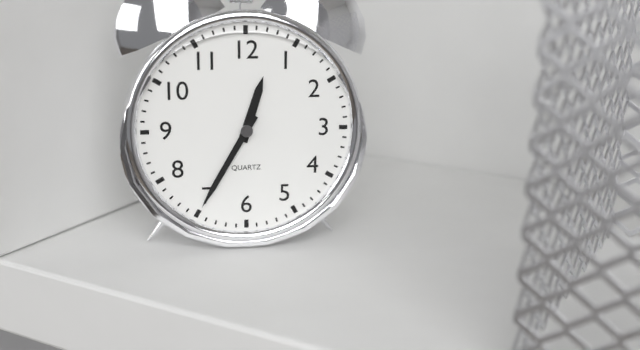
{"hour": 12, "minute": 35}
